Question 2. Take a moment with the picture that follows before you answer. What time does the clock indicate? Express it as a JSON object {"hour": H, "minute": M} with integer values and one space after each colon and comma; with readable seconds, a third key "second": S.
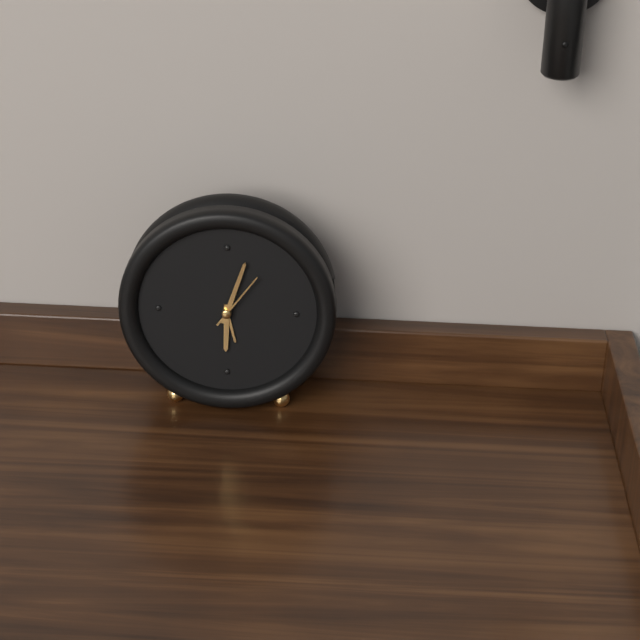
{"hour": 6, "minute": 3, "second": 6}
